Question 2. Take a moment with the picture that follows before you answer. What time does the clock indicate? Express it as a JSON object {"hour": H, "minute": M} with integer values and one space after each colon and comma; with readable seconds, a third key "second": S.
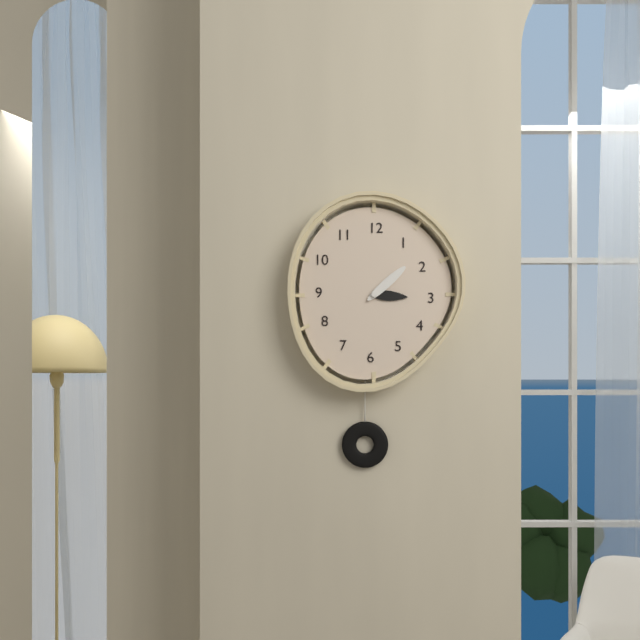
{"hour": 3, "minute": 8}
